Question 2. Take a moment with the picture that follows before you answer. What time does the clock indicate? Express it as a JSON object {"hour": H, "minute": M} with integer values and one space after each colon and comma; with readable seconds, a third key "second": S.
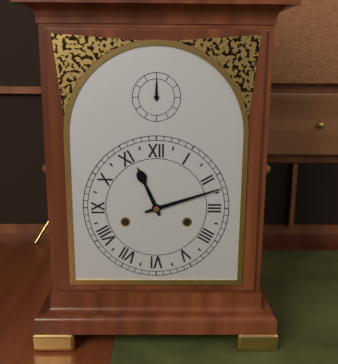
{"hour": 11, "minute": 12}
